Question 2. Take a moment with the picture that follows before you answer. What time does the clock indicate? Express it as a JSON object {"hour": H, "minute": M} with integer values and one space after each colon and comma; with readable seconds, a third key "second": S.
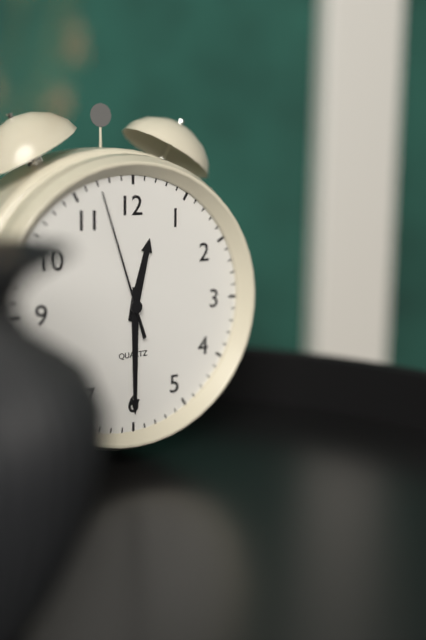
{"hour": 12, "minute": 30, "second": 57}
